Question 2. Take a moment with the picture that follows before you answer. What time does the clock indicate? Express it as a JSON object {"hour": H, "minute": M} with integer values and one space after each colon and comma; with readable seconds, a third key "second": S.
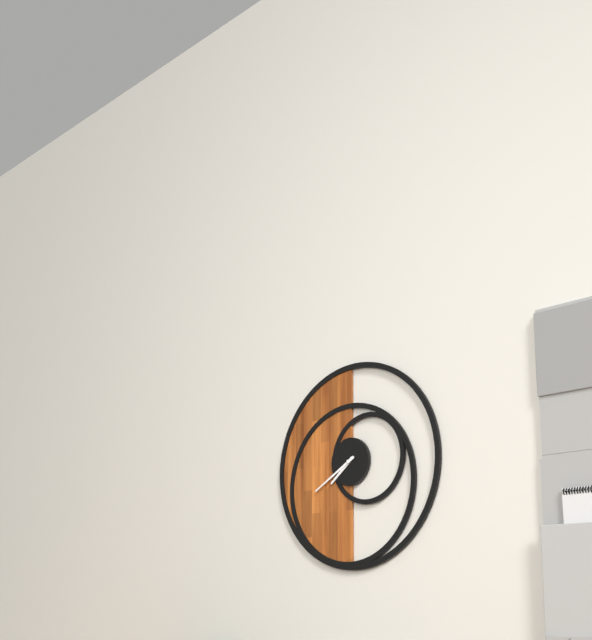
{"hour": 7, "minute": 40}
